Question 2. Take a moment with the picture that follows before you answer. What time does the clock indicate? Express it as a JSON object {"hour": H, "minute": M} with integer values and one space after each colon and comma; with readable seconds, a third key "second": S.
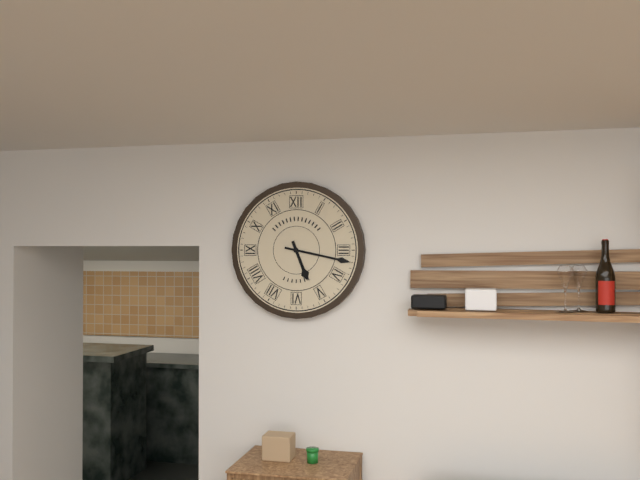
{"hour": 5, "minute": 17}
